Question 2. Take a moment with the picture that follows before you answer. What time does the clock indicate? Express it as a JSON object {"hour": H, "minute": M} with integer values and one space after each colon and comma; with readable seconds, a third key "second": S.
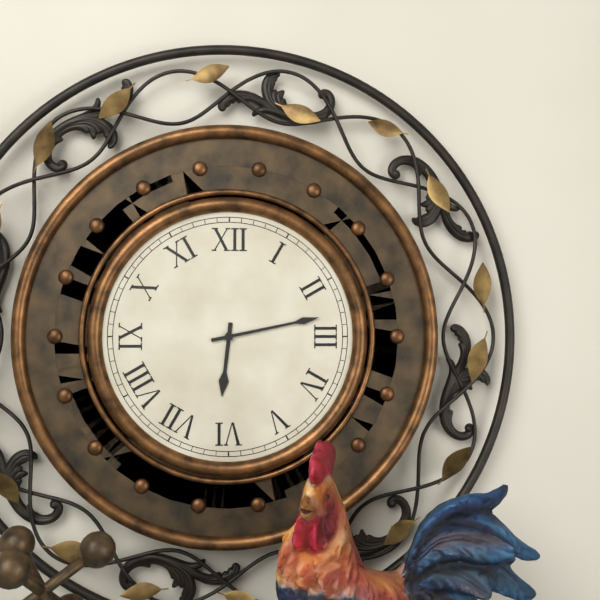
{"hour": 6, "minute": 13}
